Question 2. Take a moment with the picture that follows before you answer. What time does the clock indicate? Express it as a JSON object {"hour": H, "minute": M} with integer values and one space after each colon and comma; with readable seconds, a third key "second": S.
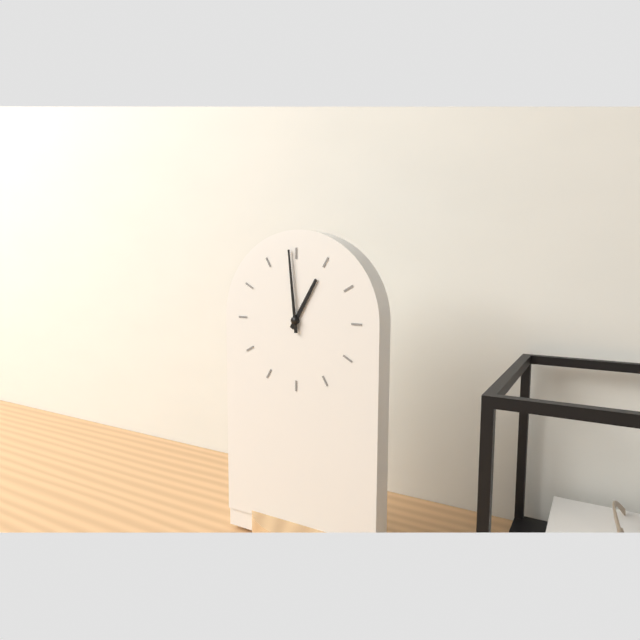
{"hour": 12, "minute": 59}
